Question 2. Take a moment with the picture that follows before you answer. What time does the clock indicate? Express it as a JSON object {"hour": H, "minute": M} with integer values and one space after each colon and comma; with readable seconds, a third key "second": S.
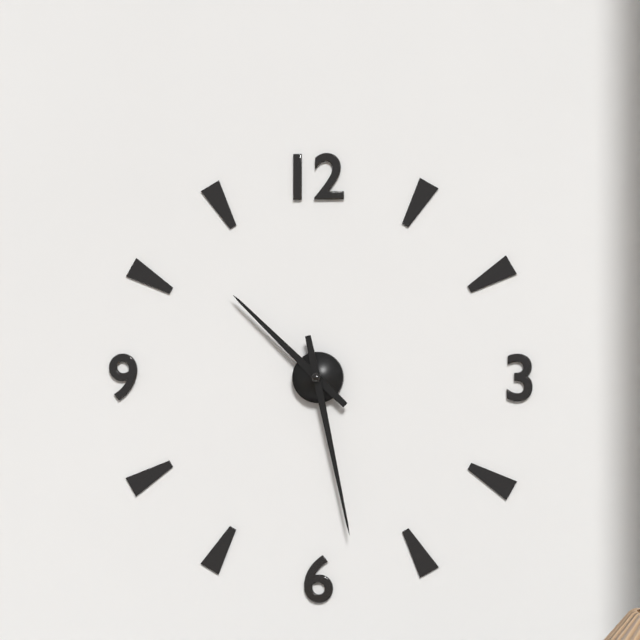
{"hour": 10, "minute": 28}
